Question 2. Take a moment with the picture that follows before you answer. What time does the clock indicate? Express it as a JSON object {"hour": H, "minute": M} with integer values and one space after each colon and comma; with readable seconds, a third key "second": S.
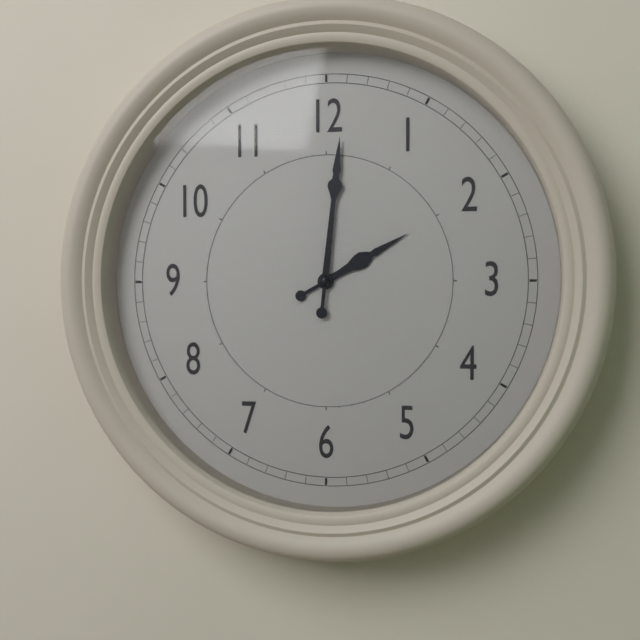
{"hour": 2, "minute": 1}
